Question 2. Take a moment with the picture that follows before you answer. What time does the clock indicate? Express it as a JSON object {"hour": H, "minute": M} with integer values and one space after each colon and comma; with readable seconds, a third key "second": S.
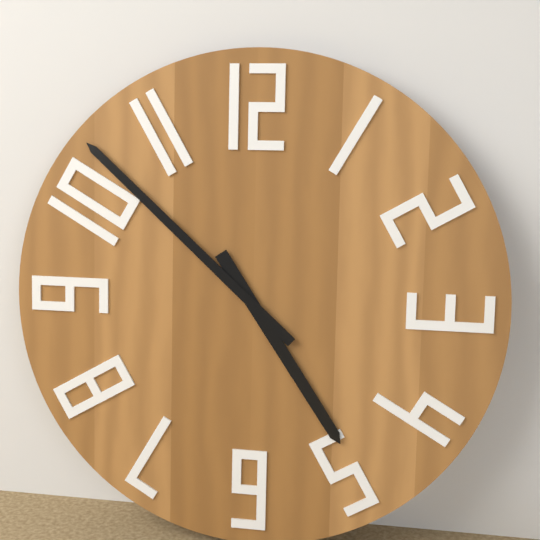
{"hour": 4, "minute": 52}
